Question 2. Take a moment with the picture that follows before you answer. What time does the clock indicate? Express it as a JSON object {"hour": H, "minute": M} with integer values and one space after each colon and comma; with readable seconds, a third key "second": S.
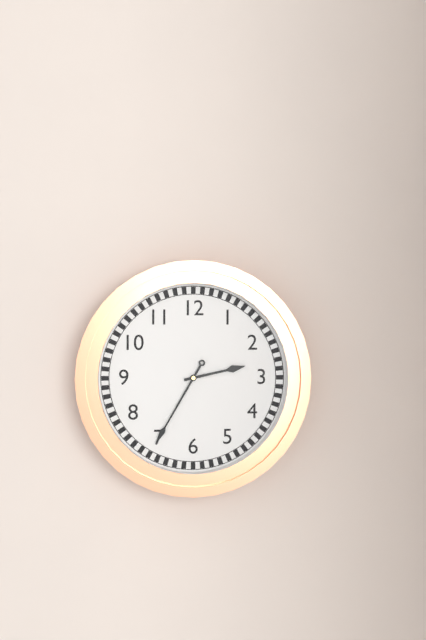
{"hour": 2, "minute": 35}
